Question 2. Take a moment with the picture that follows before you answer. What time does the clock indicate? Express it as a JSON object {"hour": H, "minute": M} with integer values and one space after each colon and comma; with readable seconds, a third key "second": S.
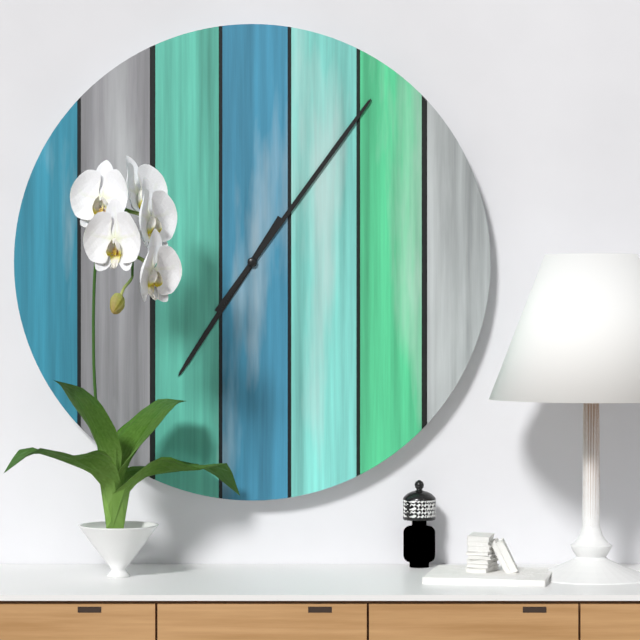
{"hour": 7, "minute": 6}
